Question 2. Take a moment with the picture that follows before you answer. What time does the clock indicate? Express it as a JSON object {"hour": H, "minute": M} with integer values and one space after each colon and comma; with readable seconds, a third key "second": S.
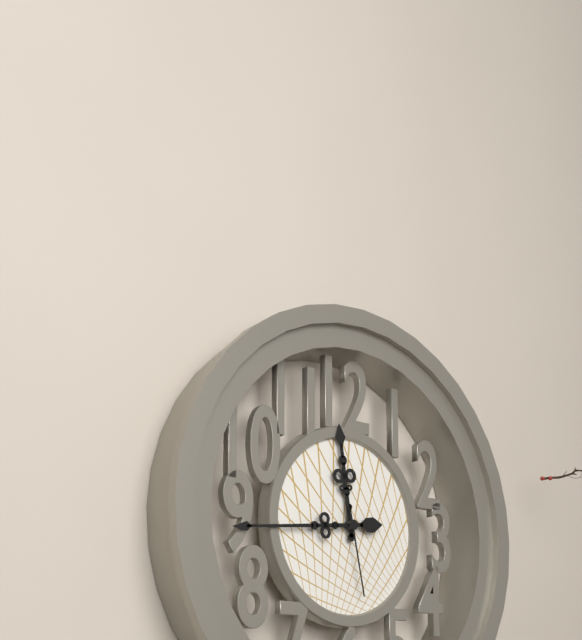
{"hour": 11, "minute": 44, "second": 28}
